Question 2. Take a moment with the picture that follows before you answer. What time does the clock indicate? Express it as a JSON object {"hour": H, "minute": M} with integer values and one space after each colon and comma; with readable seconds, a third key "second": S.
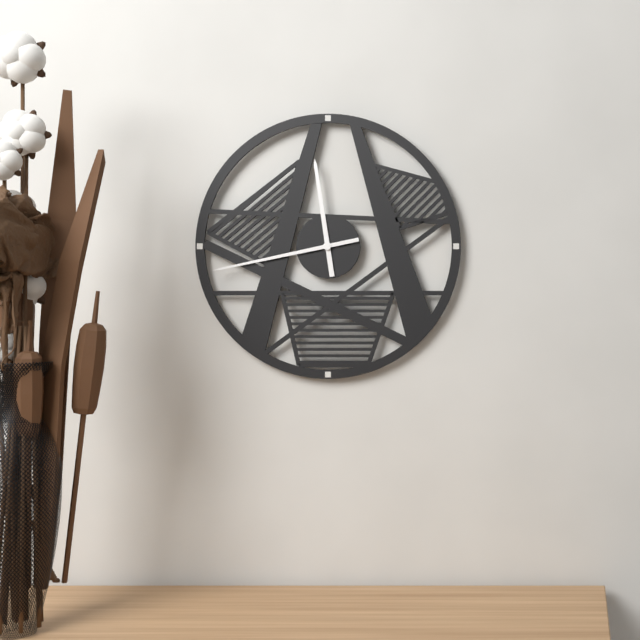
{"hour": 11, "minute": 43}
